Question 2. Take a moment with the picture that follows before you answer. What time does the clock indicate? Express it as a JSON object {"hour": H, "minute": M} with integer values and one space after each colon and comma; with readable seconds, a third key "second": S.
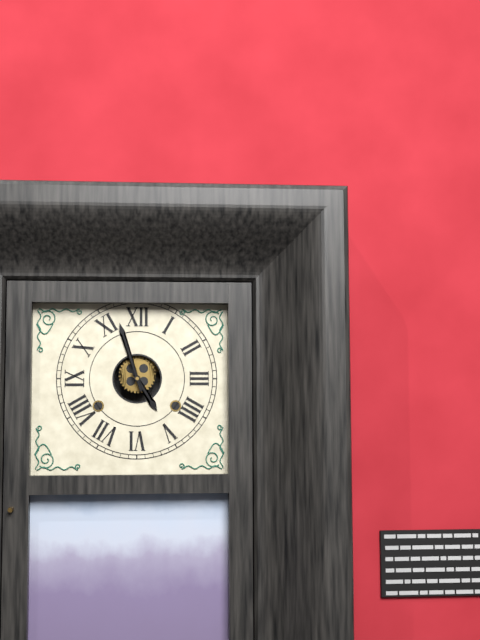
{"hour": 4, "minute": 57}
